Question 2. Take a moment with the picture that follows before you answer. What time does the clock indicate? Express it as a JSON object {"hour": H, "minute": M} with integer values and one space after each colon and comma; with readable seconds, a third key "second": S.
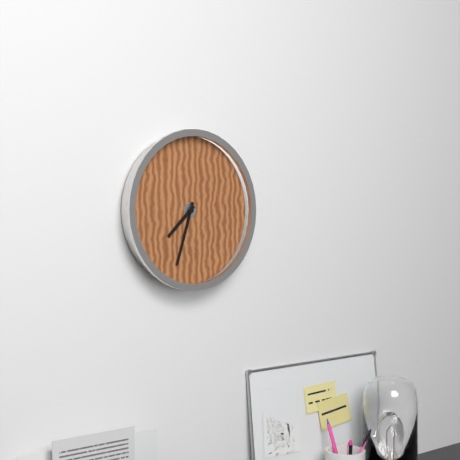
{"hour": 7, "minute": 33}
